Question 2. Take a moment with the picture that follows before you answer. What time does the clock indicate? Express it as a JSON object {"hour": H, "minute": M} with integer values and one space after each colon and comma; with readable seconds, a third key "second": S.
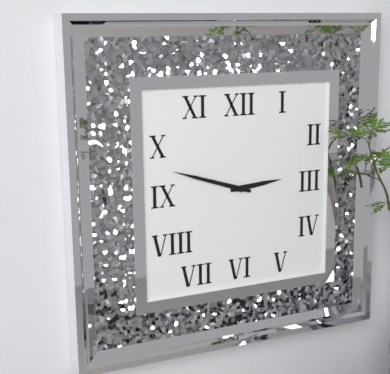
{"hour": 2, "minute": 48}
